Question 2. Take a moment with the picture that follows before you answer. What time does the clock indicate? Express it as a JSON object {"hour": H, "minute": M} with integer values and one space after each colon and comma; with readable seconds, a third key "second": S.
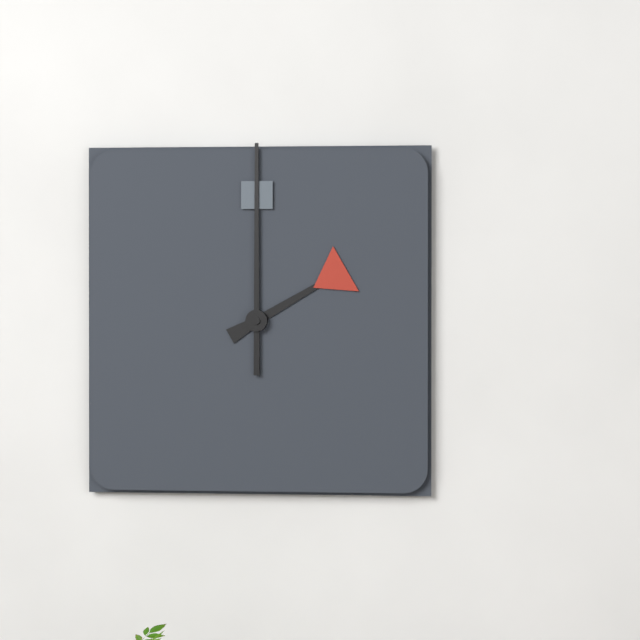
{"hour": 2, "minute": 0}
